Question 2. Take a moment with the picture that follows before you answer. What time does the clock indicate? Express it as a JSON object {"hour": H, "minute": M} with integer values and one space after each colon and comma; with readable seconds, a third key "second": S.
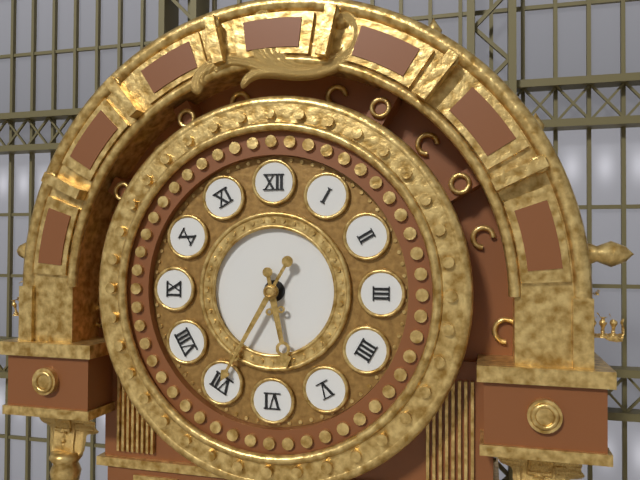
{"hour": 5, "minute": 35}
